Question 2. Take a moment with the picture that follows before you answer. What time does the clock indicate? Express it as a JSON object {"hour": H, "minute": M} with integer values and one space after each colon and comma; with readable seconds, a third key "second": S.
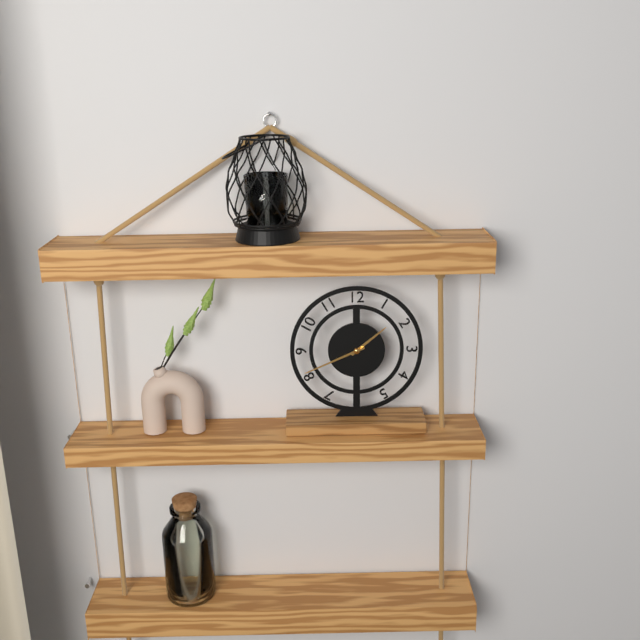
{"hour": 1, "minute": 41}
